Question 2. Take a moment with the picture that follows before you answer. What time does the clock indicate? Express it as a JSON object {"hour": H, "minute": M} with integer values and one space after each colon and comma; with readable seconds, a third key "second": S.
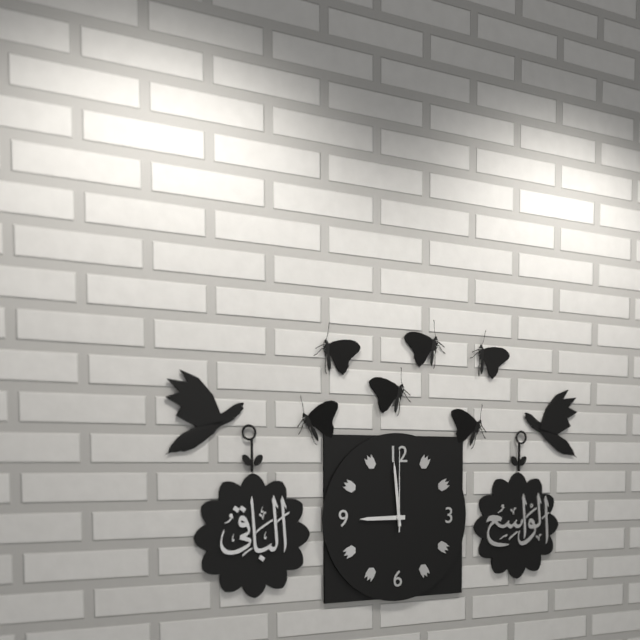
{"hour": 8, "minute": 59, "second": 0}
